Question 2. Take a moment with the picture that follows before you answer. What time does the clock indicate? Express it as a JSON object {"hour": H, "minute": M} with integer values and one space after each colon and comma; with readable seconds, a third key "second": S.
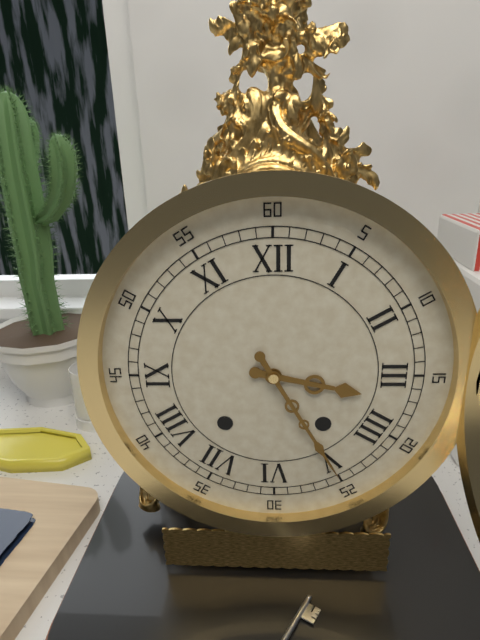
{"hour": 3, "minute": 25}
